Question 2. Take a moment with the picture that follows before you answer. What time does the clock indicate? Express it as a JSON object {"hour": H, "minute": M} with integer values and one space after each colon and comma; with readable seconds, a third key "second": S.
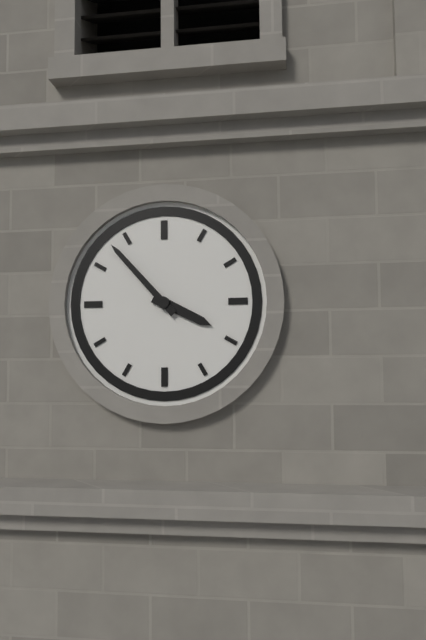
{"hour": 3, "minute": 53}
